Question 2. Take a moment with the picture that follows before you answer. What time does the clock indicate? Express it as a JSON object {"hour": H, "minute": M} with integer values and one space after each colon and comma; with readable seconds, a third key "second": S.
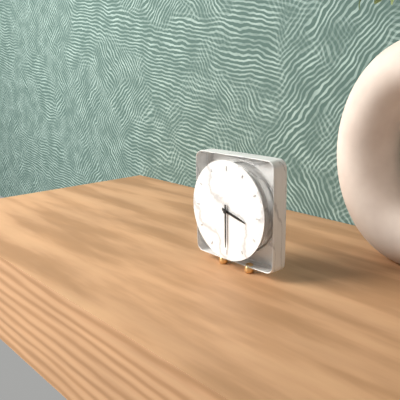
{"hour": 3, "minute": 30}
